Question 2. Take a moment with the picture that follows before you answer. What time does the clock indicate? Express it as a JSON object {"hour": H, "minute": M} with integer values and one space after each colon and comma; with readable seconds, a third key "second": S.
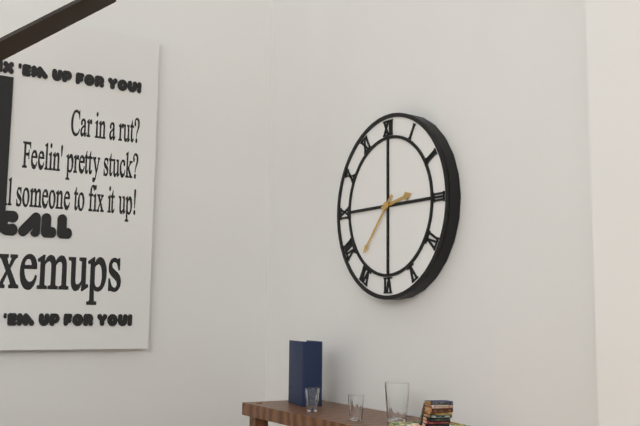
{"hour": 2, "minute": 37}
